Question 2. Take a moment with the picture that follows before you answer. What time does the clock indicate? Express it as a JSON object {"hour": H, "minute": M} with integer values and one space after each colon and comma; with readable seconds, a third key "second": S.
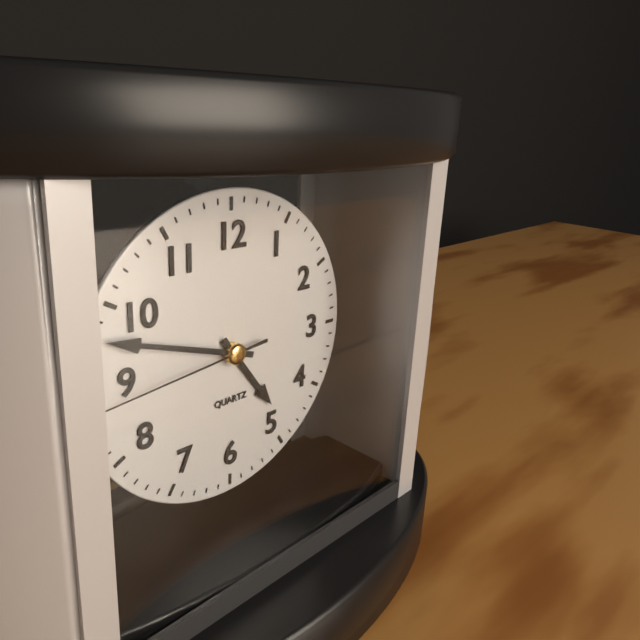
{"hour": 4, "minute": 48, "second": 44}
